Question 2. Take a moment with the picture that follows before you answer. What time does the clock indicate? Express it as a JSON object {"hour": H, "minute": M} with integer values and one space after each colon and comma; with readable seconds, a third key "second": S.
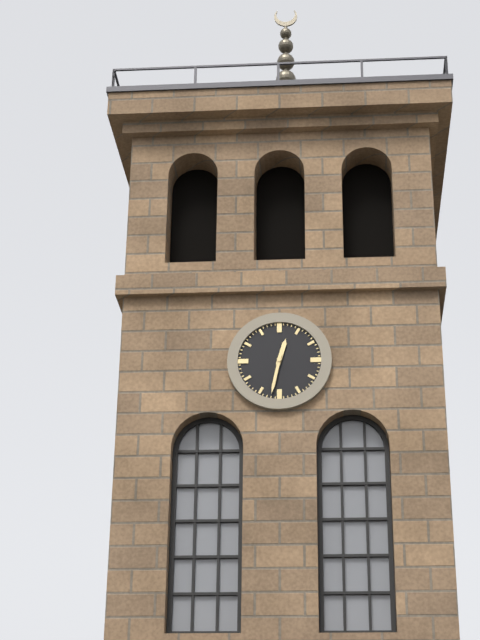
{"hour": 12, "minute": 32}
